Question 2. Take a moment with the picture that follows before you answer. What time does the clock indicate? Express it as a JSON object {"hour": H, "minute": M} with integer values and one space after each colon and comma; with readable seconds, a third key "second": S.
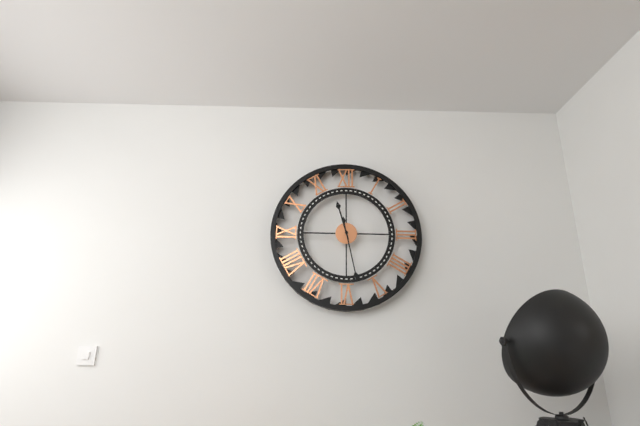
{"hour": 11, "minute": 28}
